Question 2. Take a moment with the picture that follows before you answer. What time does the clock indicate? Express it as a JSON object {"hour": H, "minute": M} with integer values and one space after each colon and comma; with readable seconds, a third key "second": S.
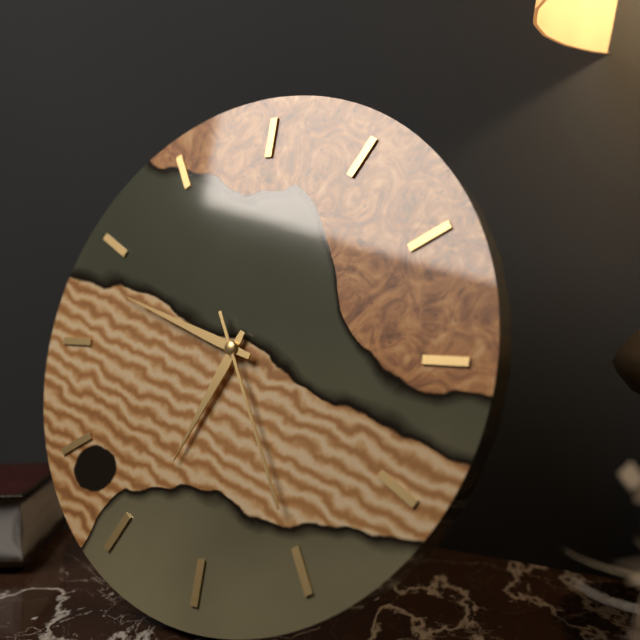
{"hour": 6, "minute": 48, "second": 25}
